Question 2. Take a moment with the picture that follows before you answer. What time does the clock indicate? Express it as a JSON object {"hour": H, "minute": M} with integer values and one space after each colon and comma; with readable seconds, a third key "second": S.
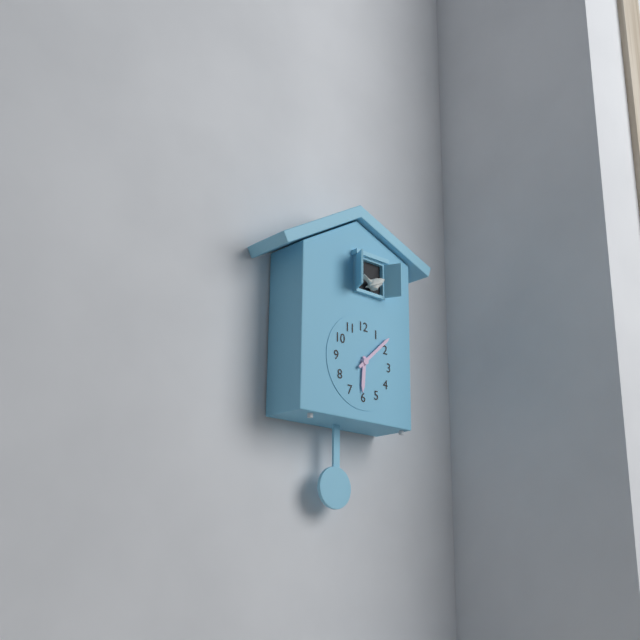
{"hour": 6, "minute": 8}
